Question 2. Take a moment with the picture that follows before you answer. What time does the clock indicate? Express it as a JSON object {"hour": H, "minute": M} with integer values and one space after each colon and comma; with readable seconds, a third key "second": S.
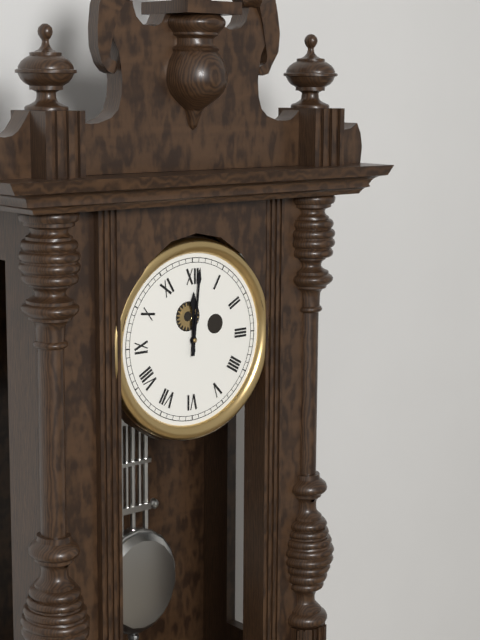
{"hour": 12, "minute": 1}
